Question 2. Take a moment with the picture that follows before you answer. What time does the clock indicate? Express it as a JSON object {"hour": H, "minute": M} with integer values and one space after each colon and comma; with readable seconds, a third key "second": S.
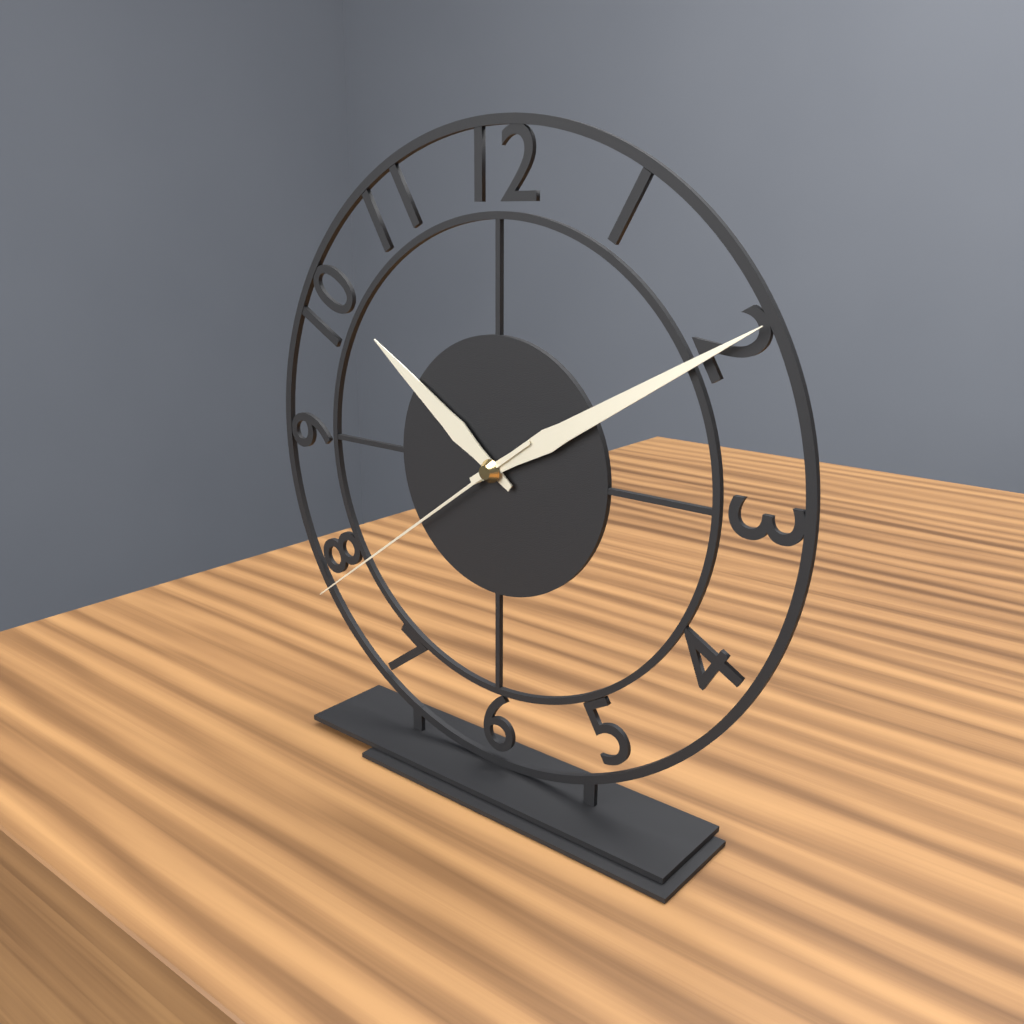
{"hour": 10, "minute": 10, "second": 39}
